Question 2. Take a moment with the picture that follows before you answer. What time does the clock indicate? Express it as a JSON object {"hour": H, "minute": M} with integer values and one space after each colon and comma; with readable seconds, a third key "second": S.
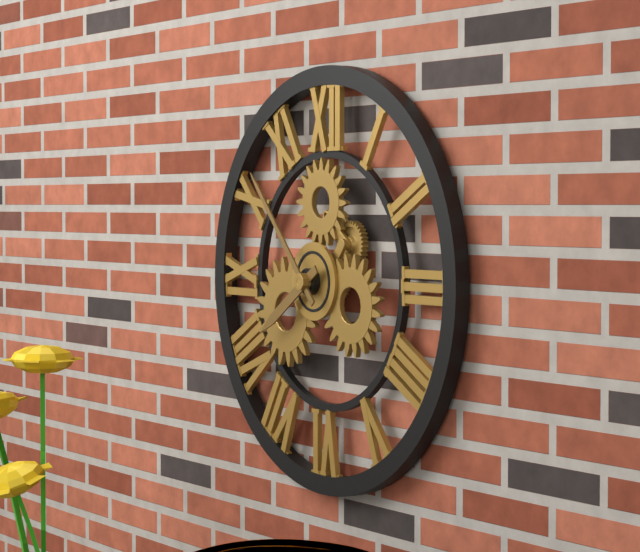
{"hour": 7, "minute": 53}
